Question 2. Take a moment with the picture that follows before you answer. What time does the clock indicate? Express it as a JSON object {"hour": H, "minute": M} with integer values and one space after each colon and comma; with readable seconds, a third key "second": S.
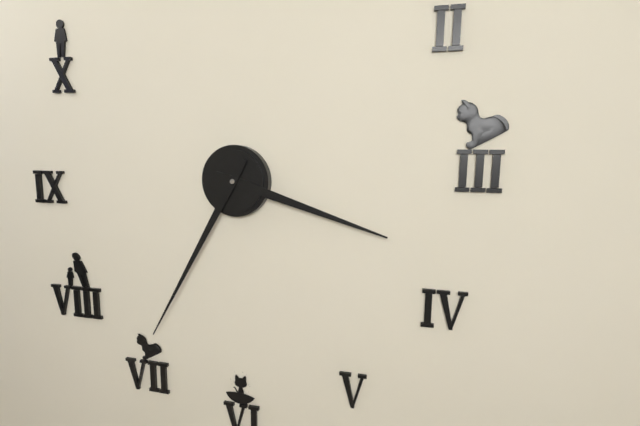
{"hour": 3, "minute": 35}
